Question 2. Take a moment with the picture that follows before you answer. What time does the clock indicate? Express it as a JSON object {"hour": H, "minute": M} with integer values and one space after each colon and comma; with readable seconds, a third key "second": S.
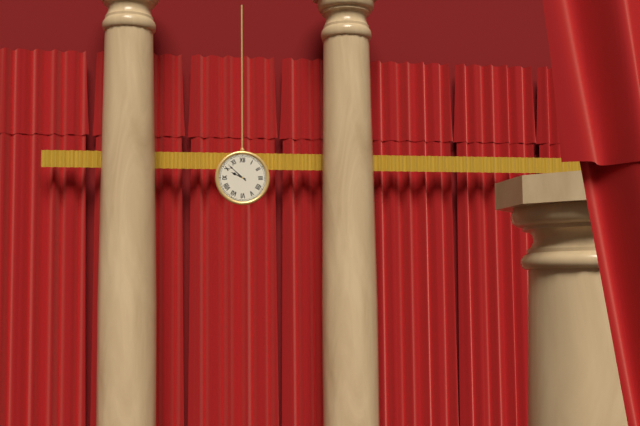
{"hour": 9, "minute": 52}
